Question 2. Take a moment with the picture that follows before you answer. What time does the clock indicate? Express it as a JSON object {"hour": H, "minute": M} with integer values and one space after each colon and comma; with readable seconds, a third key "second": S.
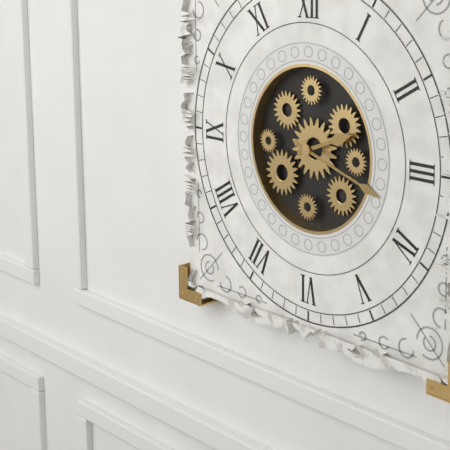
{"hour": 2, "minute": 18}
